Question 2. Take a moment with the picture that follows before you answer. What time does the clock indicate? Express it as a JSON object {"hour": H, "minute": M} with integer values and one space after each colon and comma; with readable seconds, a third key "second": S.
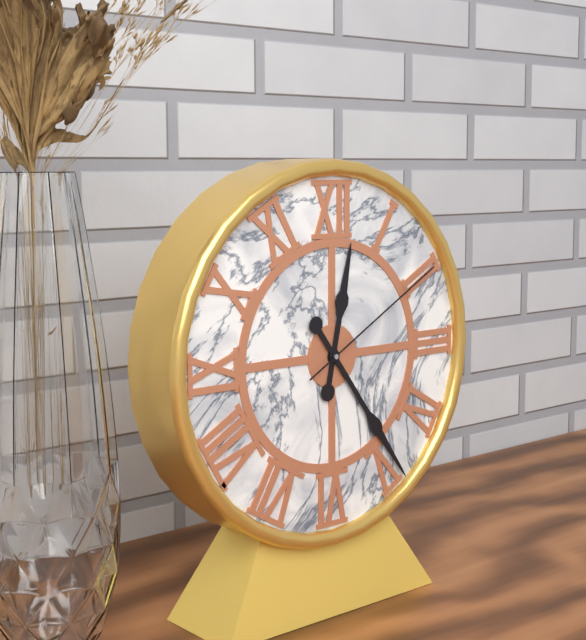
{"hour": 12, "minute": 24, "second": 10}
